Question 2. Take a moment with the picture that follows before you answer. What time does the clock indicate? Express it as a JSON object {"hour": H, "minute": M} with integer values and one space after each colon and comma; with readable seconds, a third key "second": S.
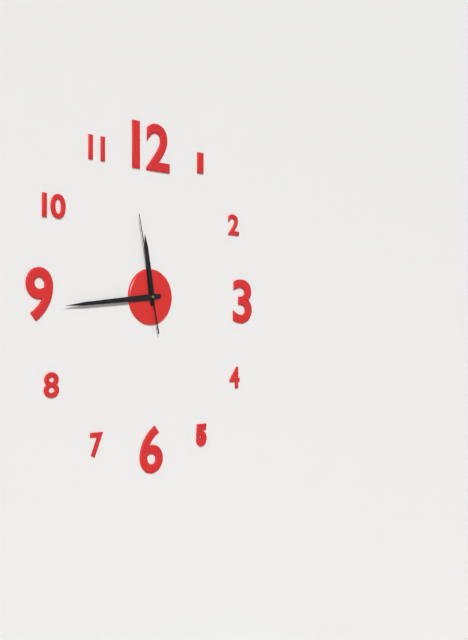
{"hour": 11, "minute": 44, "second": 58}
